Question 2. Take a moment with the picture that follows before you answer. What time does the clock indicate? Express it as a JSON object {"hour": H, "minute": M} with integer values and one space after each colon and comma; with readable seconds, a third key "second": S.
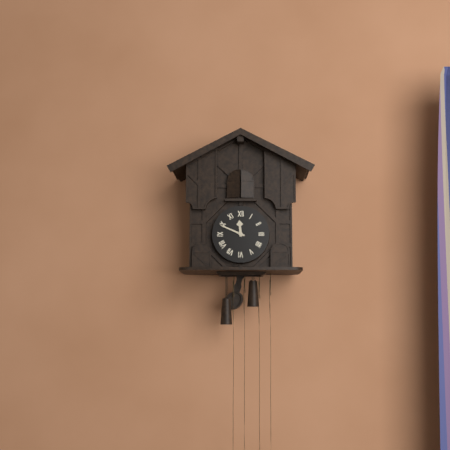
{"hour": 11, "minute": 49}
